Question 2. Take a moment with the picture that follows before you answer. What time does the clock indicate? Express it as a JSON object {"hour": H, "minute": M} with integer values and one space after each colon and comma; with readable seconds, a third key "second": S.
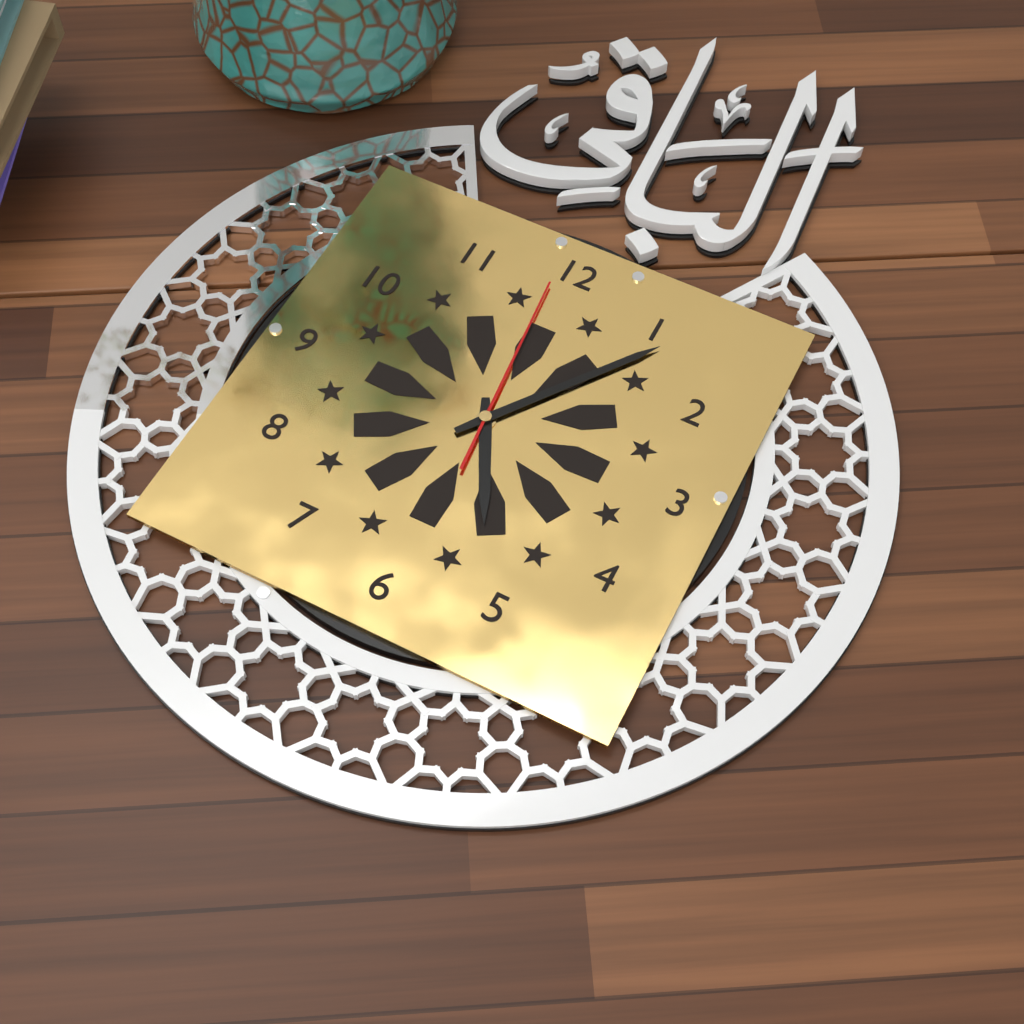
{"hour": 5, "minute": 6, "second": 59}
